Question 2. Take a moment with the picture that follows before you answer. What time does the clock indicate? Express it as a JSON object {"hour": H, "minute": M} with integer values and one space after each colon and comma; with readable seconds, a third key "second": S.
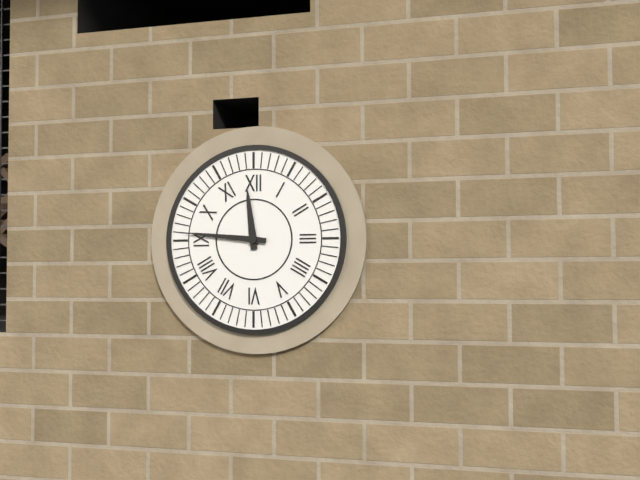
{"hour": 11, "minute": 46}
